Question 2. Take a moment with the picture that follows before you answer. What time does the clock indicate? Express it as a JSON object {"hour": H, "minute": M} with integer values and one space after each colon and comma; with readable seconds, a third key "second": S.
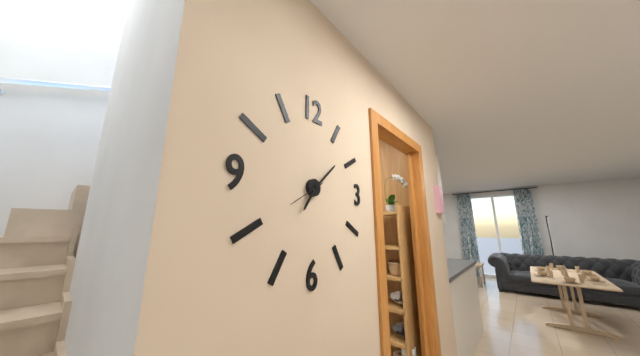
{"hour": 7, "minute": 8}
